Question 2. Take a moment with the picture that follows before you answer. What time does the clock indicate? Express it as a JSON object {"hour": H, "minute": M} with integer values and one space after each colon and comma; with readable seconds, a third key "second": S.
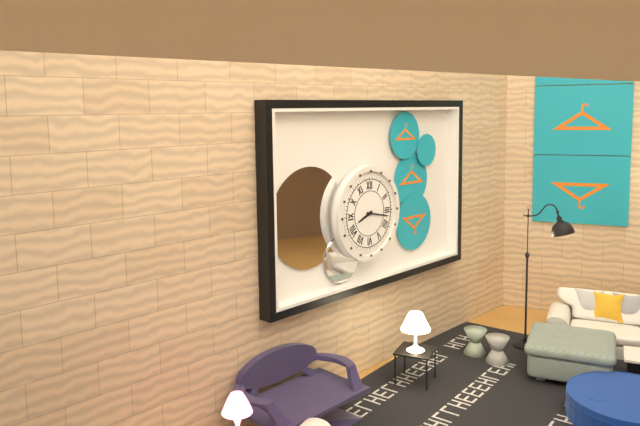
{"hour": 8, "minute": 17}
